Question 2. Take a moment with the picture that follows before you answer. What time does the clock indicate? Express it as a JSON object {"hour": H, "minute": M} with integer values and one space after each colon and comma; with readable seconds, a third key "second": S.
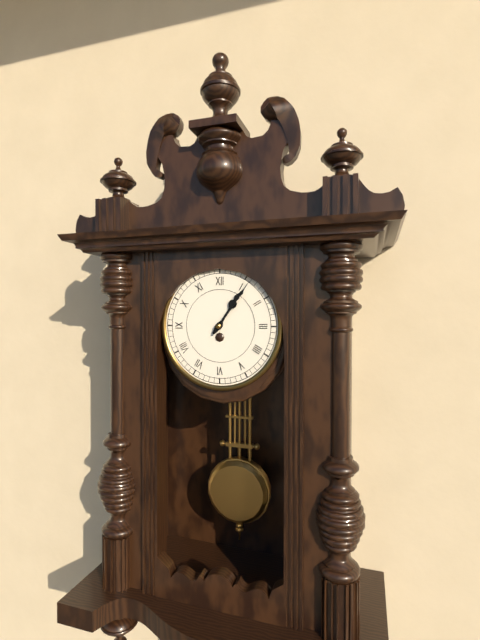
{"hour": 1, "minute": 6}
